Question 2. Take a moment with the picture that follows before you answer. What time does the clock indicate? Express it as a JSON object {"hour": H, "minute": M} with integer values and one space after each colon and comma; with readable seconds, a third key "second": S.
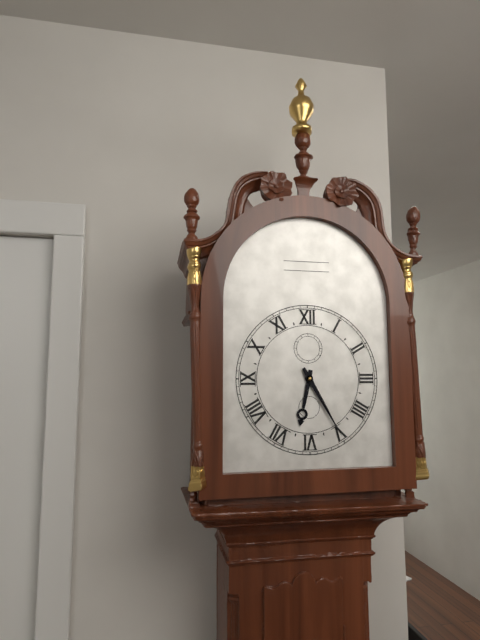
{"hour": 6, "minute": 25}
